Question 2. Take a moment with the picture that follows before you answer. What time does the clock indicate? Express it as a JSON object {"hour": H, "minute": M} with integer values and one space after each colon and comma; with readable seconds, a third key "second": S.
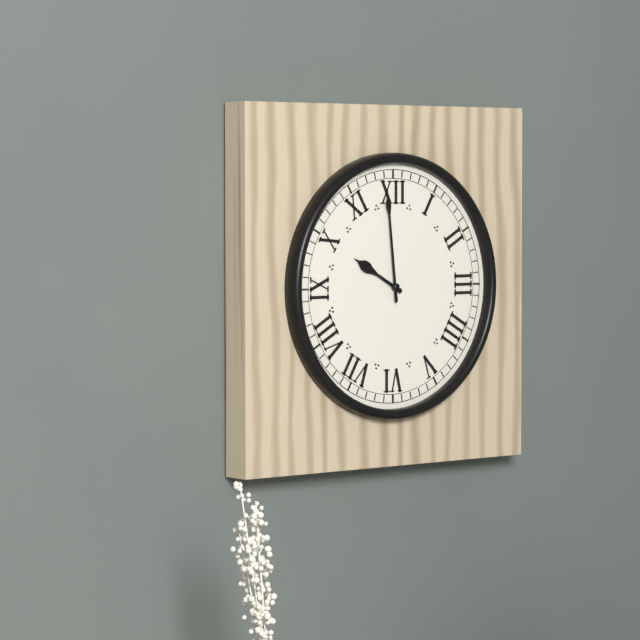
{"hour": 9, "minute": 59}
